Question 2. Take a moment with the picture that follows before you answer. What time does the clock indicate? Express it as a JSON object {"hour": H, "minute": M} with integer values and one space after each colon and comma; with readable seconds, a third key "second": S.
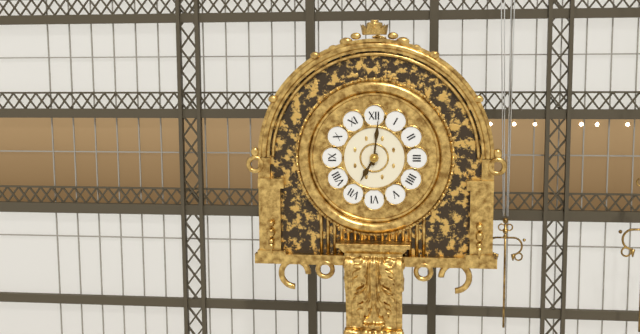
{"hour": 7, "minute": 1}
